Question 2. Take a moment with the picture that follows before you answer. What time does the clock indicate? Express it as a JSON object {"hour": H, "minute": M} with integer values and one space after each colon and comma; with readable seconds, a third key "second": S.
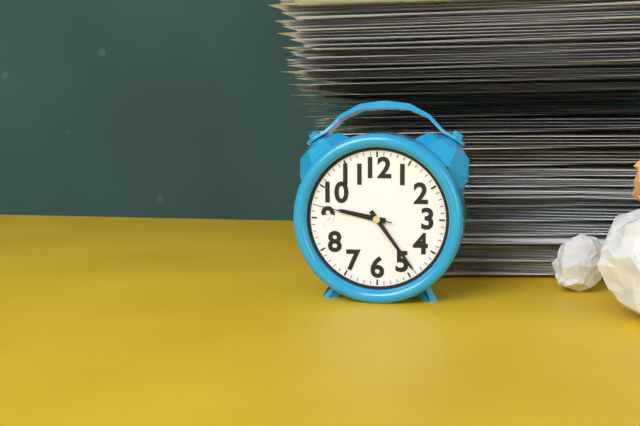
{"hour": 9, "minute": 24, "second": 47}
